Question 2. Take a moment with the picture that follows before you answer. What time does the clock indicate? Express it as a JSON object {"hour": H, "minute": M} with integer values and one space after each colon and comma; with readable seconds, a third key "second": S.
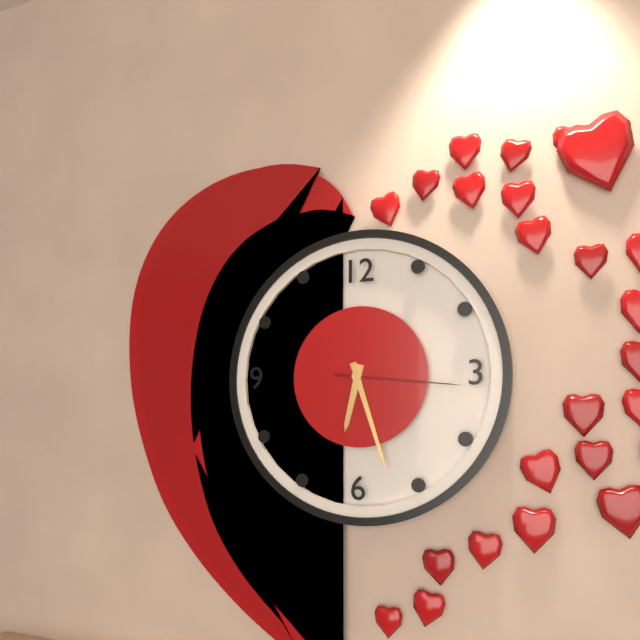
{"hour": 6, "minute": 27, "second": 16}
